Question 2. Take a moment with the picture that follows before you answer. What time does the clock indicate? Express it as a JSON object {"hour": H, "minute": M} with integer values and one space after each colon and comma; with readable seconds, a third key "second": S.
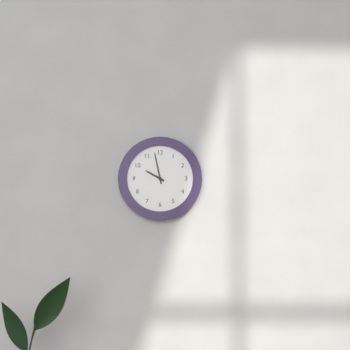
{"hour": 9, "minute": 58}
